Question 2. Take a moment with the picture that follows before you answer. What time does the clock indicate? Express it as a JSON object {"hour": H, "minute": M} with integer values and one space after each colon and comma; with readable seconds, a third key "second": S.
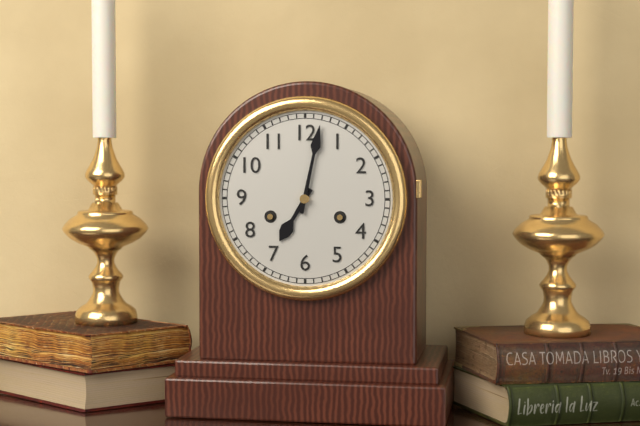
{"hour": 7, "minute": 2}
